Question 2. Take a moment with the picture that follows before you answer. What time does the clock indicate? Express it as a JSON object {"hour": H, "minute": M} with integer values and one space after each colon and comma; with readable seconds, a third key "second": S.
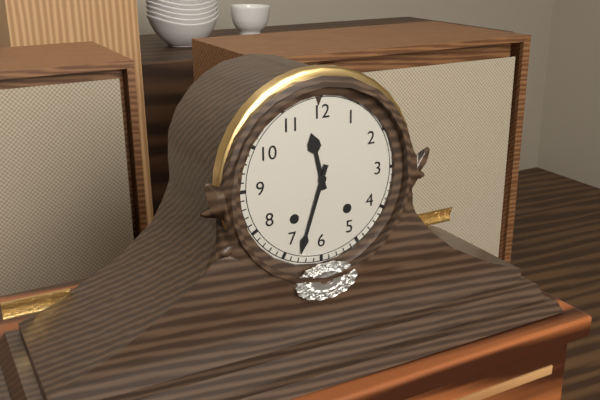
{"hour": 11, "minute": 33}
